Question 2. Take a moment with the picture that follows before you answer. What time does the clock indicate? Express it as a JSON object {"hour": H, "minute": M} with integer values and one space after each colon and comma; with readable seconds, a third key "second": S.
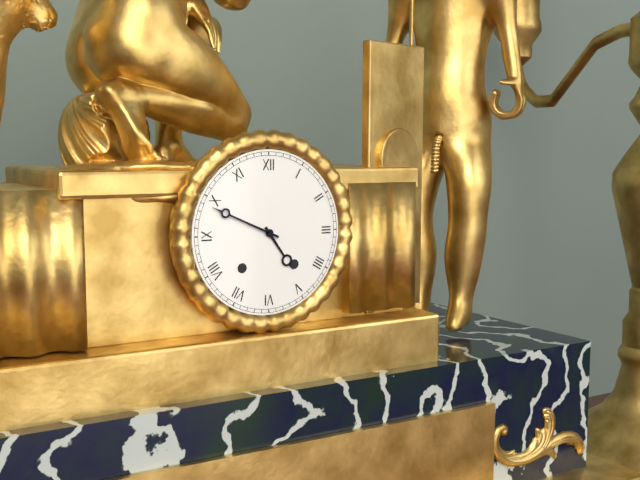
{"hour": 4, "minute": 49}
